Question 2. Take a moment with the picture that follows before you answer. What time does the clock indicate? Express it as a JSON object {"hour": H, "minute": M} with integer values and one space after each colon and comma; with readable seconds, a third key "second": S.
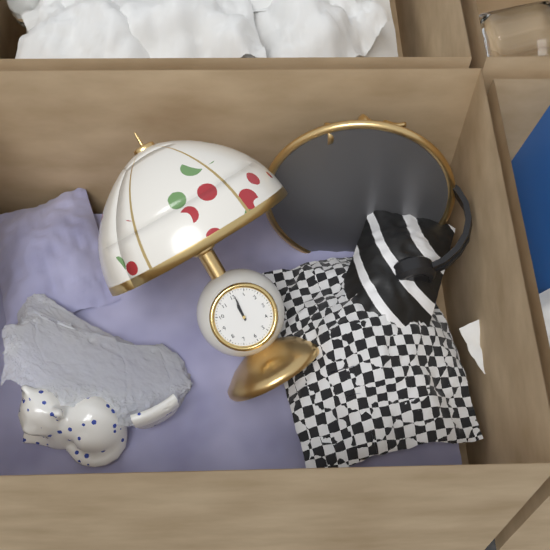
{"hour": 12, "minute": 1}
